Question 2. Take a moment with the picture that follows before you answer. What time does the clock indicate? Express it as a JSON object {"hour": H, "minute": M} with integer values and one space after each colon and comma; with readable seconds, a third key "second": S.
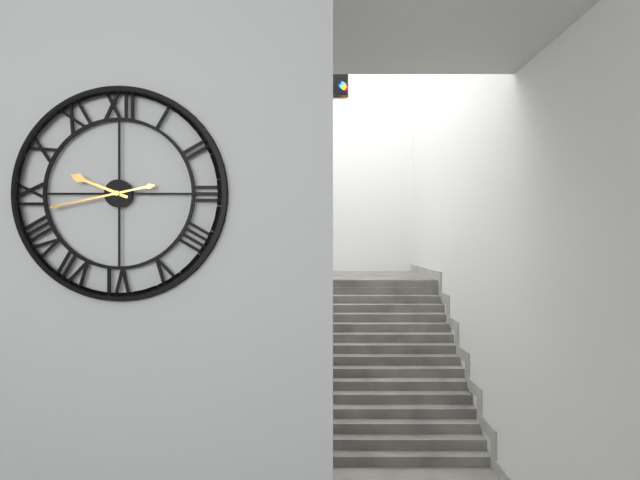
{"hour": 9, "minute": 43}
